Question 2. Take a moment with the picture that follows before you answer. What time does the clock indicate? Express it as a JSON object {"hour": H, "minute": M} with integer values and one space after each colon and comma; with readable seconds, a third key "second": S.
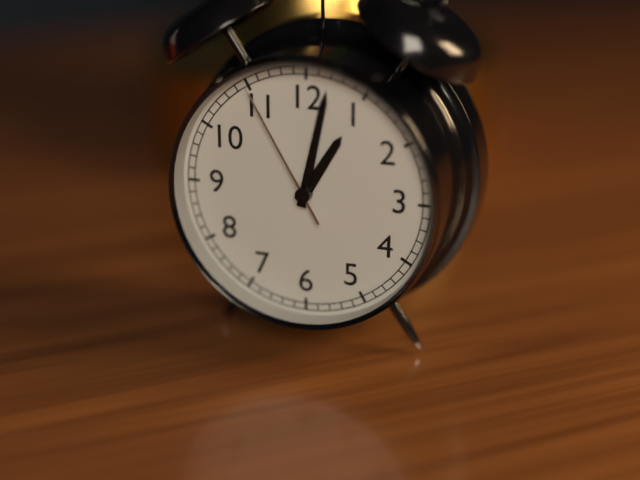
{"hour": 1, "minute": 2, "second": 55}
